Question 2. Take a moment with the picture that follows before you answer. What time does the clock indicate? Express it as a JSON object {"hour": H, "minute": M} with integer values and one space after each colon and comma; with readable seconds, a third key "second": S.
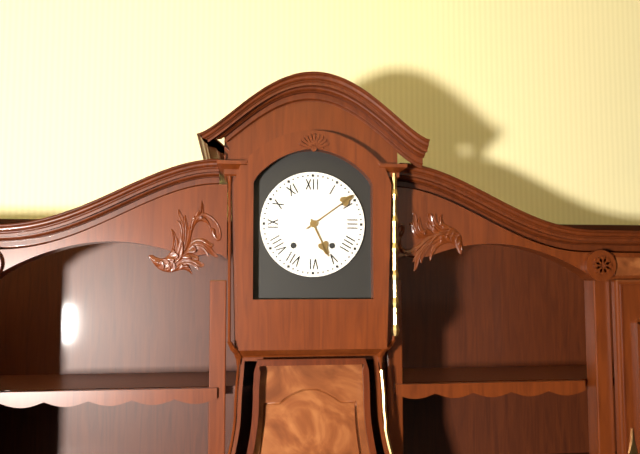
{"hour": 5, "minute": 9}
